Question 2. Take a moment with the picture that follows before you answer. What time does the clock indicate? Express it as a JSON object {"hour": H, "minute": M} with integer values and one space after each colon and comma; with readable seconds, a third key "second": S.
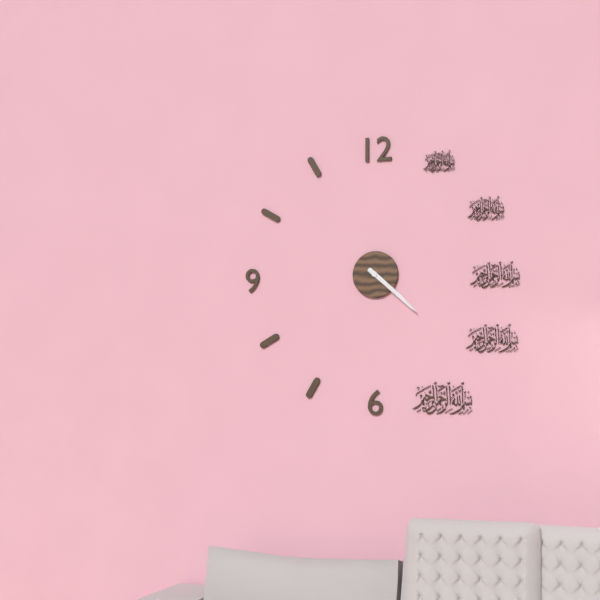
{"hour": 4, "minute": 22}
